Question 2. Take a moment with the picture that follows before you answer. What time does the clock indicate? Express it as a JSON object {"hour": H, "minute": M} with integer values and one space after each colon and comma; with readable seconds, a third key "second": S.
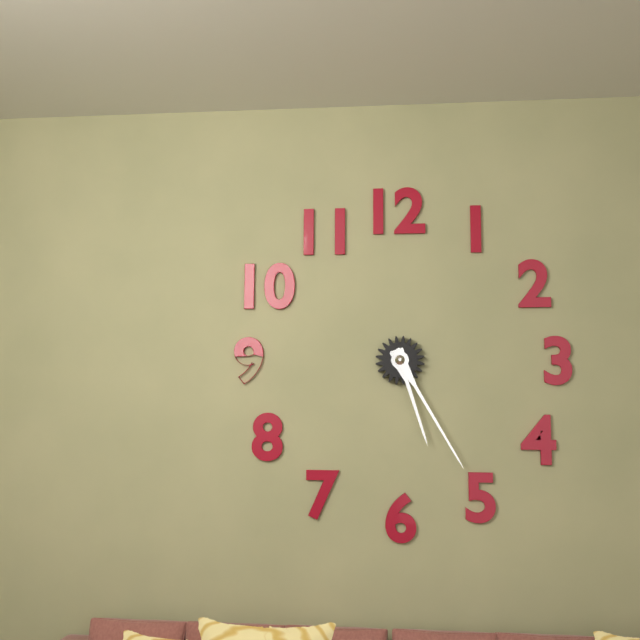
{"hour": 5, "minute": 25}
